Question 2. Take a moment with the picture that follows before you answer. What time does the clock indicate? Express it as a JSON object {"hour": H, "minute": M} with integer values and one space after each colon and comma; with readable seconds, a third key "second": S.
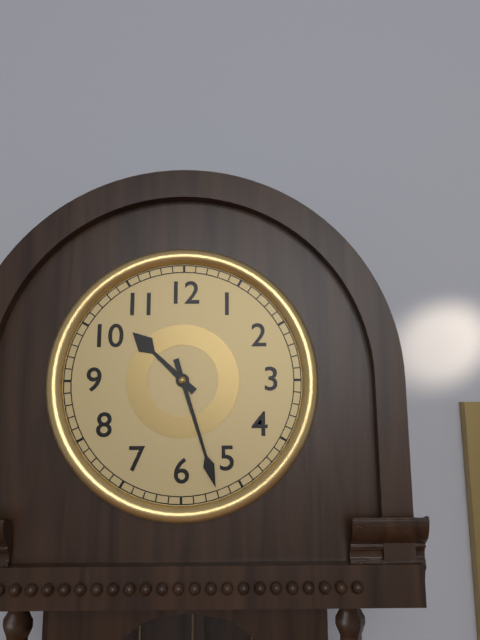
{"hour": 10, "minute": 27}
